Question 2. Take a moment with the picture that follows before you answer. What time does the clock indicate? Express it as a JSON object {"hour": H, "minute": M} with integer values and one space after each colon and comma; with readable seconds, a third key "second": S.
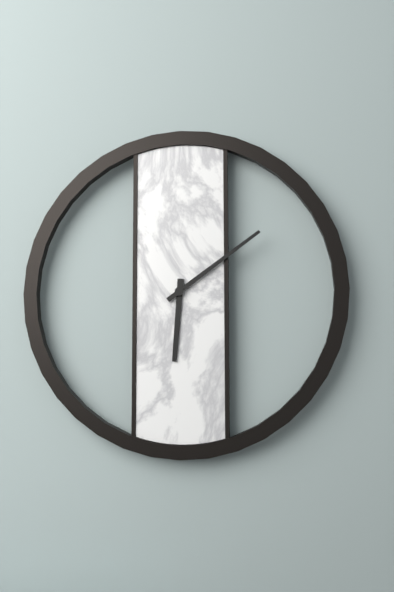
{"hour": 6, "minute": 9}
